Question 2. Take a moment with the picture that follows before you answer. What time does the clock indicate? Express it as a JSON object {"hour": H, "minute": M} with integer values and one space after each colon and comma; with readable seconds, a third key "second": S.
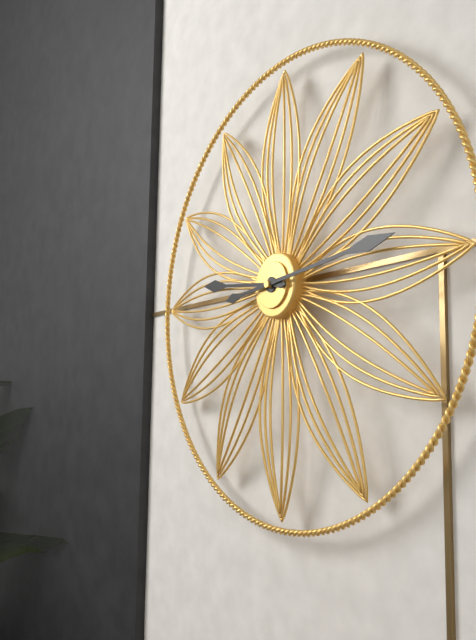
{"hour": 9, "minute": 14}
